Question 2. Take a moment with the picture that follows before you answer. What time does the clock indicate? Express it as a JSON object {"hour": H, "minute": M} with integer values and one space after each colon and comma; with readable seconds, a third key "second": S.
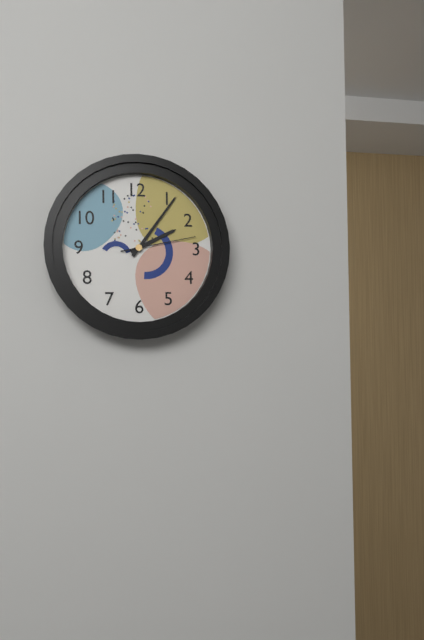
{"hour": 2, "minute": 6, "second": 13}
